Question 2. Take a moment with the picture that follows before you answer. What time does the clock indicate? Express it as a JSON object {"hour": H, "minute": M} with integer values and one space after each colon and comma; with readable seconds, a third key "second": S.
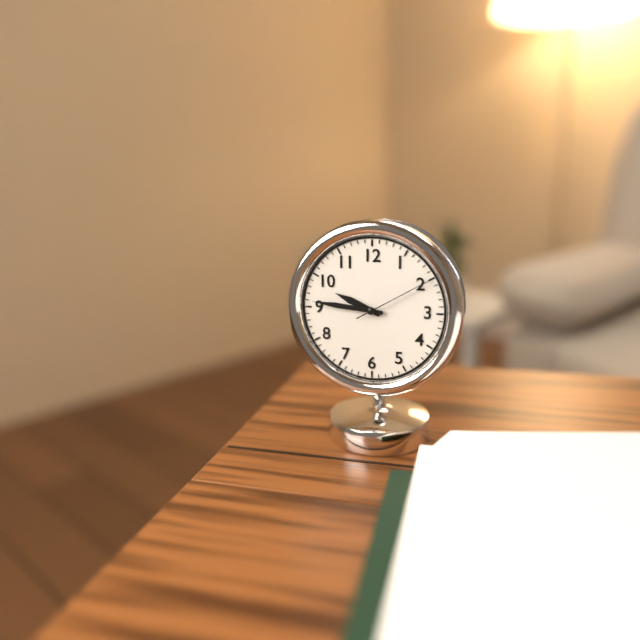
{"hour": 9, "minute": 46, "second": 10}
